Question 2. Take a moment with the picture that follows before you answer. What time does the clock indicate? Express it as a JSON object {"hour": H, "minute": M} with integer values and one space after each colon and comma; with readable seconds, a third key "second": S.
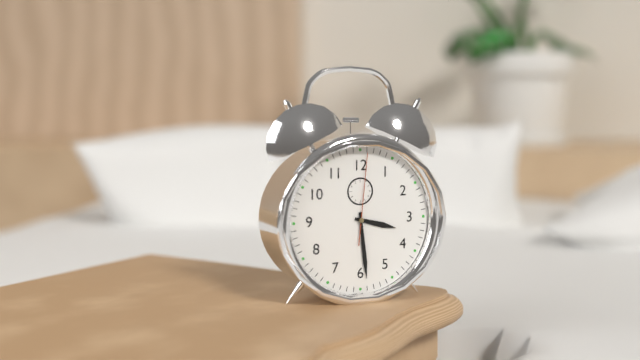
{"hour": 3, "minute": 29, "second": 1}
